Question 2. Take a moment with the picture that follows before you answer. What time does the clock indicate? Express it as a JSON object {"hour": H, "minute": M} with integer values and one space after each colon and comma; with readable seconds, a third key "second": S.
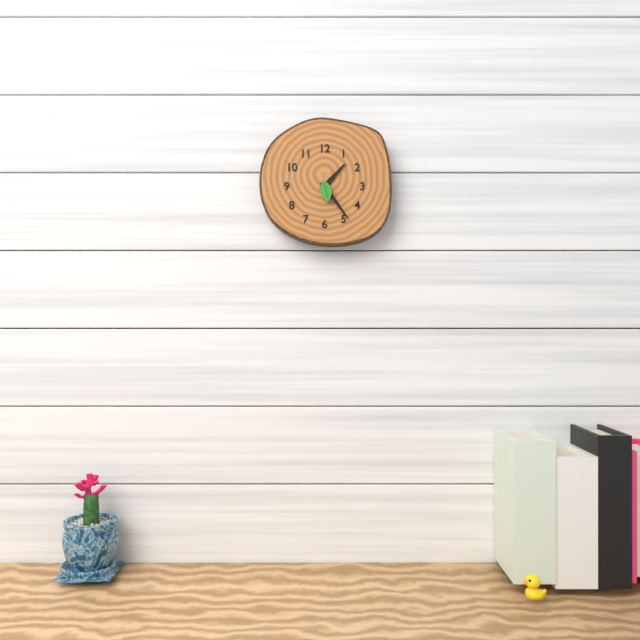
{"hour": 1, "minute": 24}
